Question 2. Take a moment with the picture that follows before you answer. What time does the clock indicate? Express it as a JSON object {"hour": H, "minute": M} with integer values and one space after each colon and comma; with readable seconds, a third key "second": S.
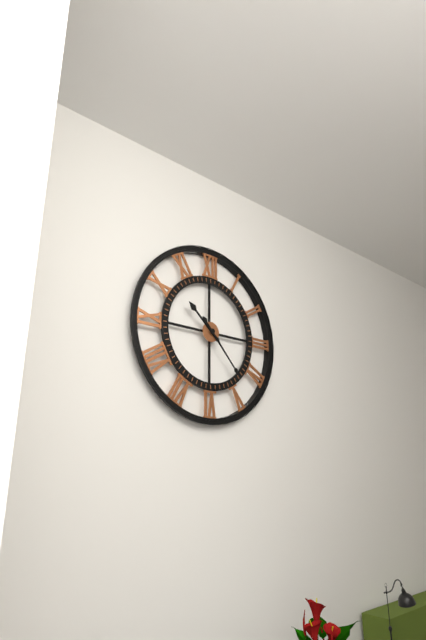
{"hour": 10, "minute": 23}
